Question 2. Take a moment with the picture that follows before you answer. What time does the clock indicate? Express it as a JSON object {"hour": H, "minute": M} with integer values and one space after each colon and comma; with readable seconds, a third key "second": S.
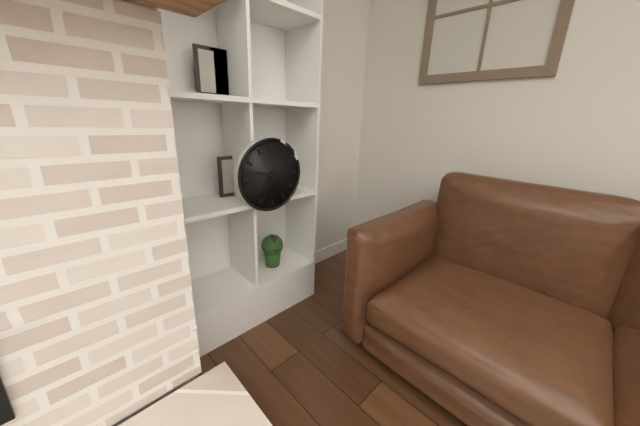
{"hour": 9, "minute": 34}
